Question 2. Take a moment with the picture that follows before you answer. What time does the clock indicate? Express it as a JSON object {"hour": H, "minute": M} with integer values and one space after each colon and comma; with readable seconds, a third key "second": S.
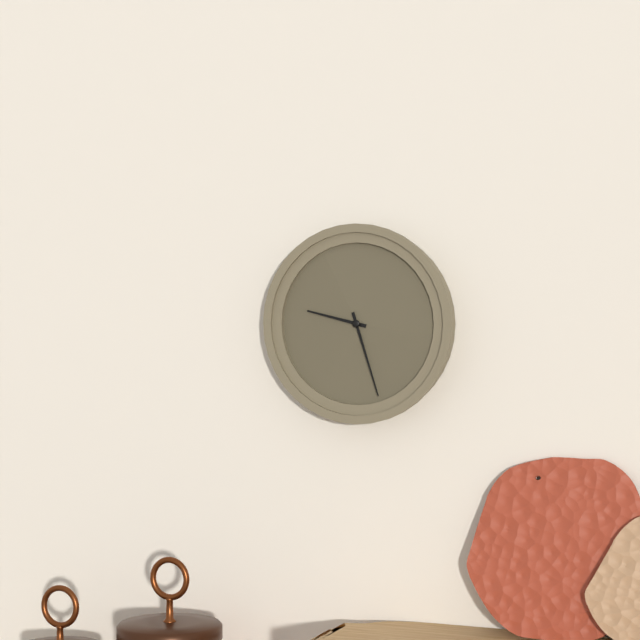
{"hour": 9, "minute": 27}
